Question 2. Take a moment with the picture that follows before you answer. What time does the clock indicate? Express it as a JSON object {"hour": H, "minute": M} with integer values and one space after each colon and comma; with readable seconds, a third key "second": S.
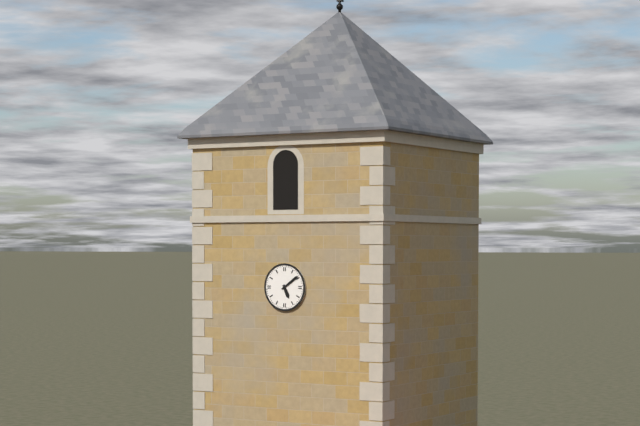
{"hour": 5, "minute": 9}
